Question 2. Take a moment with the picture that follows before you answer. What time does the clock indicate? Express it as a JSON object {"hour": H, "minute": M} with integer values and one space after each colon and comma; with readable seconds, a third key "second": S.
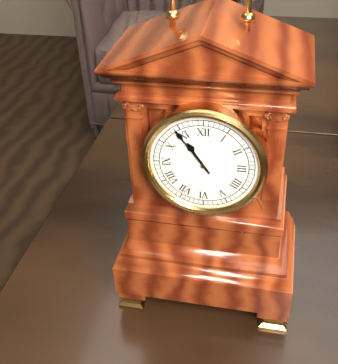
{"hour": 10, "minute": 54}
